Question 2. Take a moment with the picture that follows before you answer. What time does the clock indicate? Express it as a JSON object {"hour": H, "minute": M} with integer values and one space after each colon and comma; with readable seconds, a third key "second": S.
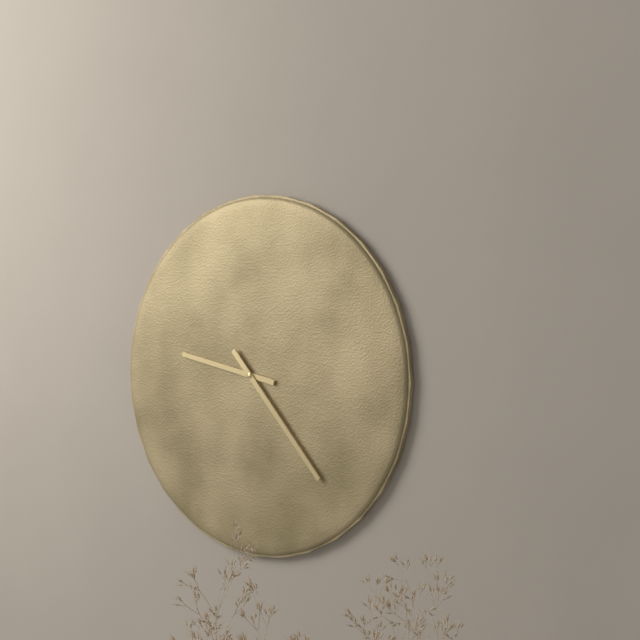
{"hour": 9, "minute": 23}
